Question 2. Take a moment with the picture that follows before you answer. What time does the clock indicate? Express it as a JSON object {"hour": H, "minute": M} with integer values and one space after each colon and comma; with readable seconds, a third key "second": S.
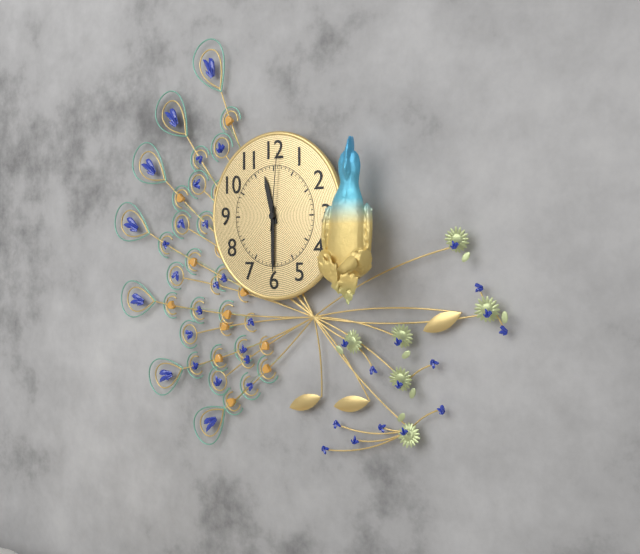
{"hour": 11, "minute": 30, "second": 1}
